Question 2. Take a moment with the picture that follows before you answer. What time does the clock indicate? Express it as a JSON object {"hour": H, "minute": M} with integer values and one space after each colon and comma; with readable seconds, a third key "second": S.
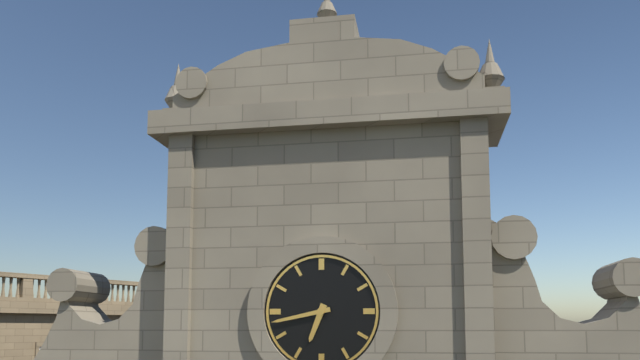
{"hour": 6, "minute": 43}
